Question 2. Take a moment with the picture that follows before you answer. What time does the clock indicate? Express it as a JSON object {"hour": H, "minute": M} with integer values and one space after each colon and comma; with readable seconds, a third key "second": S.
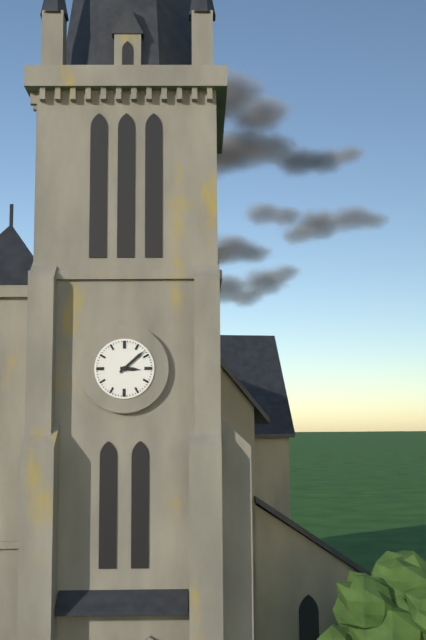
{"hour": 3, "minute": 8}
